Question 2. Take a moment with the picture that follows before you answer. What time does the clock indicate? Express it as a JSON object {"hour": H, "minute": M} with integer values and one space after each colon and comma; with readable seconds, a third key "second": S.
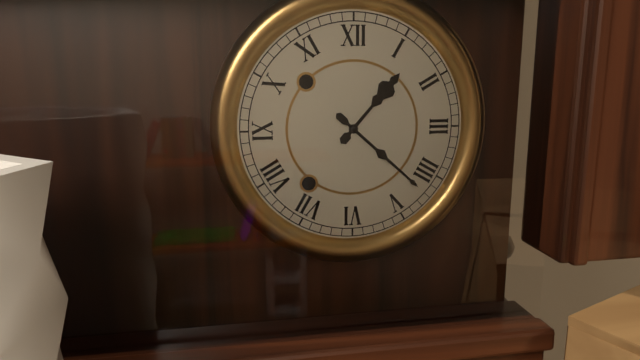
{"hour": 1, "minute": 22}
